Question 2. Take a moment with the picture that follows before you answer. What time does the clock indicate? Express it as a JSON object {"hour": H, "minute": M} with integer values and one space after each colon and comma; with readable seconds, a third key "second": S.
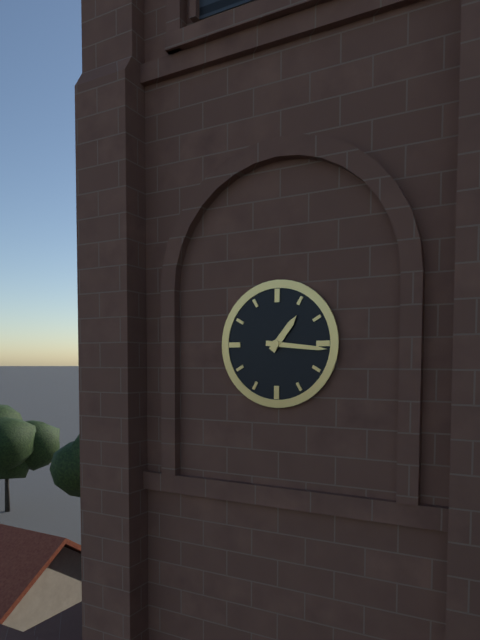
{"hour": 1, "minute": 16}
